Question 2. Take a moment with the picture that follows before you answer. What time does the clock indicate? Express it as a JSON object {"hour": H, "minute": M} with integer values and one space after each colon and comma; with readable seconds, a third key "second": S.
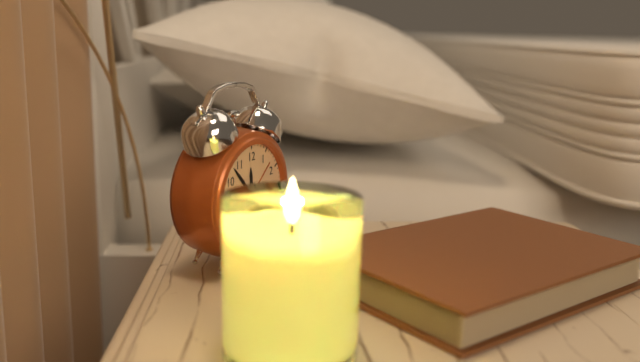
{"hour": 11, "minute": 53, "second": 35}
